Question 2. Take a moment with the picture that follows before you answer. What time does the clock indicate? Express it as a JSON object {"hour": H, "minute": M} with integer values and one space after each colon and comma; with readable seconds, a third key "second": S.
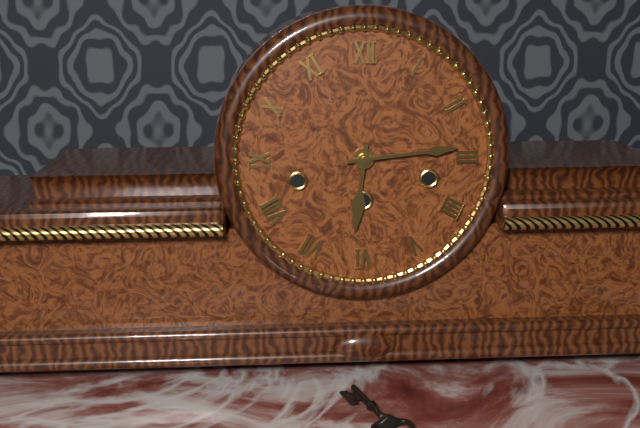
{"hour": 6, "minute": 14}
